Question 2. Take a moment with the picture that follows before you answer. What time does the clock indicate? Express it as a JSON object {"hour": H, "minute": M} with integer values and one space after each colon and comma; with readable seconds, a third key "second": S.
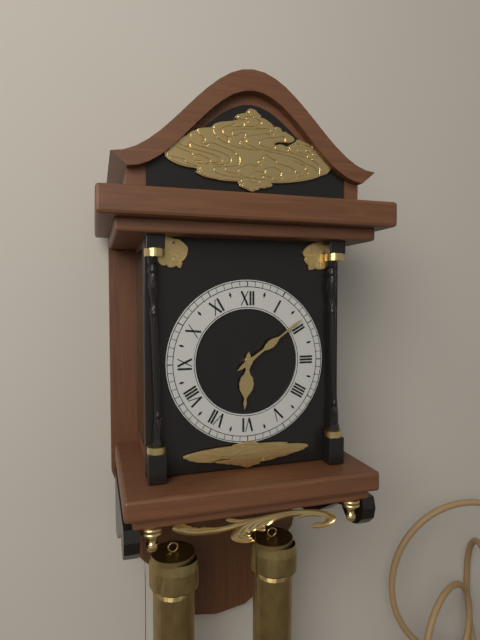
{"hour": 6, "minute": 9}
